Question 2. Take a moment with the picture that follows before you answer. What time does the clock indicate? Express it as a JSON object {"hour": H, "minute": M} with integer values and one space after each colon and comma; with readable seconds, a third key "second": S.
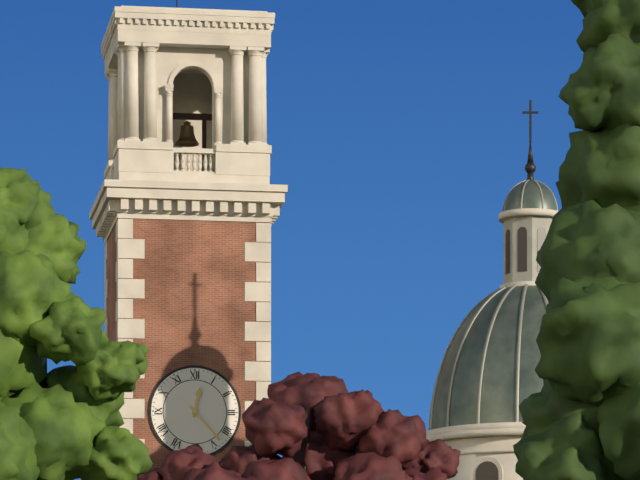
{"hour": 12, "minute": 23}
